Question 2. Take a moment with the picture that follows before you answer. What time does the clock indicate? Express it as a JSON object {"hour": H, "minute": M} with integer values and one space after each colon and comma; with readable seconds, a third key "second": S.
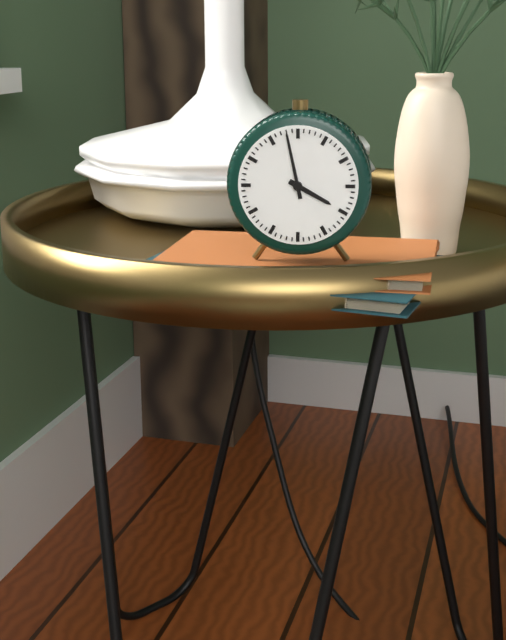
{"hour": 3, "minute": 58}
